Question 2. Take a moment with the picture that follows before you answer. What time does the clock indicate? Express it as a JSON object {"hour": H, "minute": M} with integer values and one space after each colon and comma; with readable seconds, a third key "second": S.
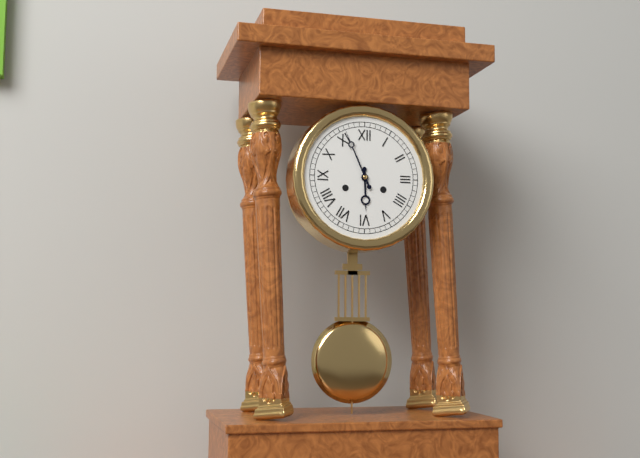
{"hour": 5, "minute": 56}
